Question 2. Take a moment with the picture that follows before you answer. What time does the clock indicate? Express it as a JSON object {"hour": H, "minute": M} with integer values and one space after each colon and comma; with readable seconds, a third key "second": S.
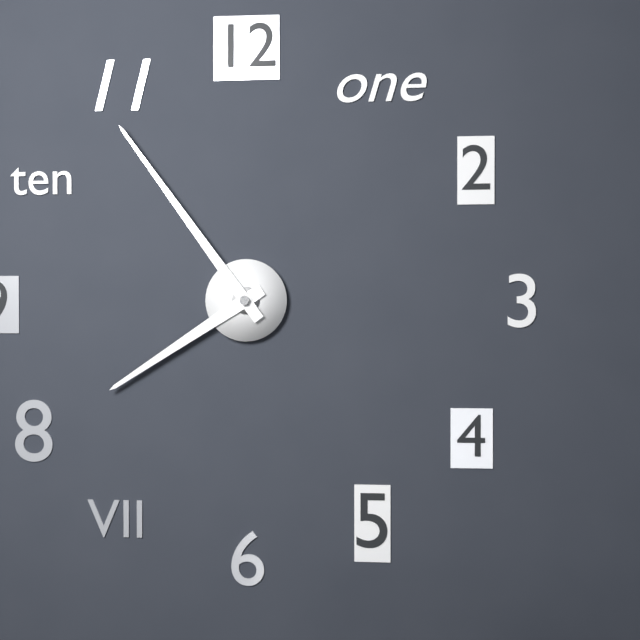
{"hour": 7, "minute": 54}
